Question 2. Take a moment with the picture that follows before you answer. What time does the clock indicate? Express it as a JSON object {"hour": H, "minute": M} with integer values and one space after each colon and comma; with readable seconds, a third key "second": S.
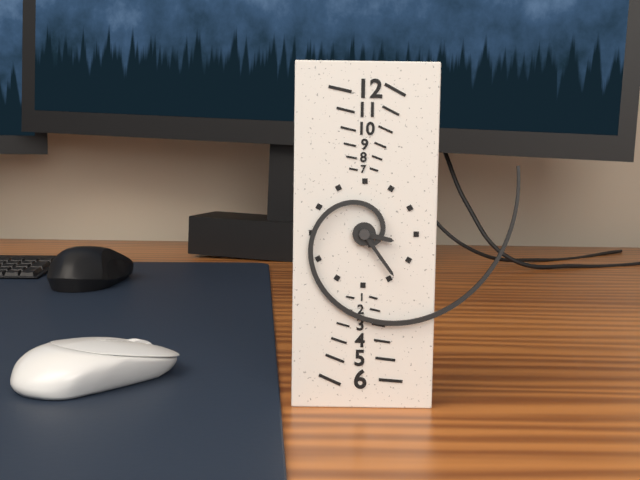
{"hour": 3, "minute": 24}
